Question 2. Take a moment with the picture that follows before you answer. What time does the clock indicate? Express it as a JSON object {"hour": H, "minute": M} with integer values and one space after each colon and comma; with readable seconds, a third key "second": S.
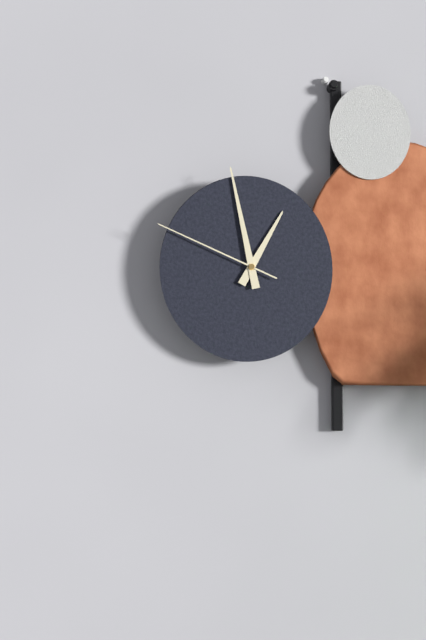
{"hour": 12, "minute": 58, "second": 49}
